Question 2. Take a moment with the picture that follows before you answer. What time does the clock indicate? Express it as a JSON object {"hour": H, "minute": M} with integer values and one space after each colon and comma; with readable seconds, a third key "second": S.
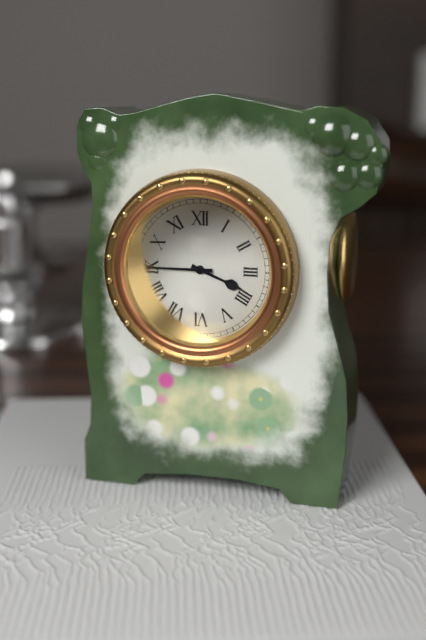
{"hour": 3, "minute": 45}
